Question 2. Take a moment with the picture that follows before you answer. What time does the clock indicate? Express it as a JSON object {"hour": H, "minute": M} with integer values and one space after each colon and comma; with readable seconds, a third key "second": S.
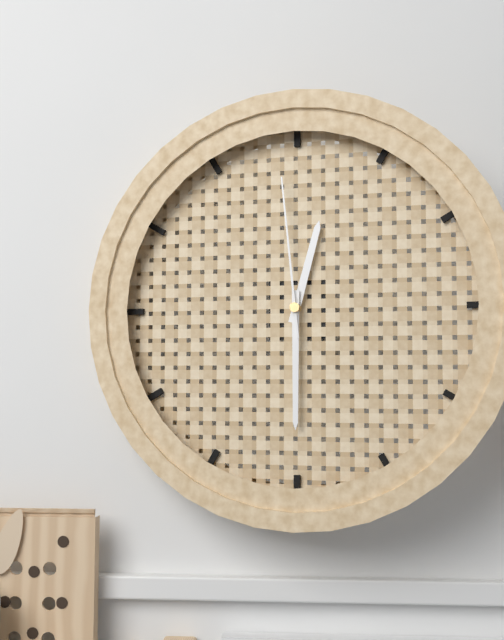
{"hour": 12, "minute": 30, "second": 59}
